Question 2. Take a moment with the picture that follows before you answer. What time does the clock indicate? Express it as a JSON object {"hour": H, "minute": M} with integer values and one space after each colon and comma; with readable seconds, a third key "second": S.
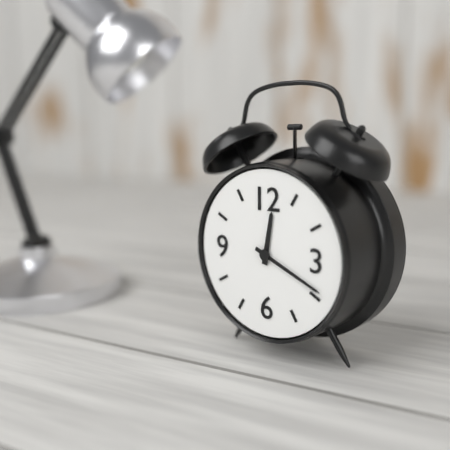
{"hour": 12, "minute": 19}
